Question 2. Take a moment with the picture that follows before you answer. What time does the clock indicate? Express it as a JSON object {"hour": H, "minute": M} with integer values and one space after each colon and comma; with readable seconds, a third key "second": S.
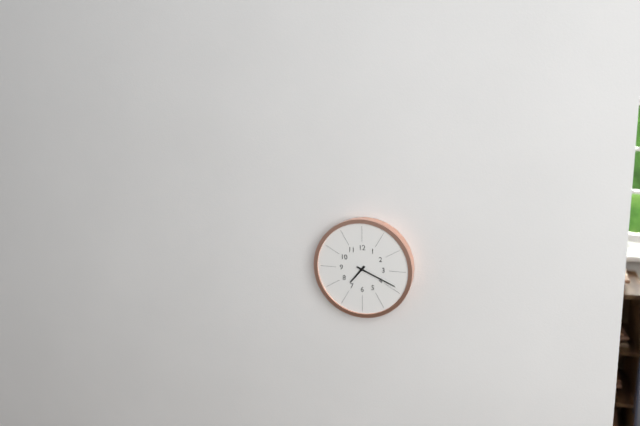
{"hour": 7, "minute": 19}
